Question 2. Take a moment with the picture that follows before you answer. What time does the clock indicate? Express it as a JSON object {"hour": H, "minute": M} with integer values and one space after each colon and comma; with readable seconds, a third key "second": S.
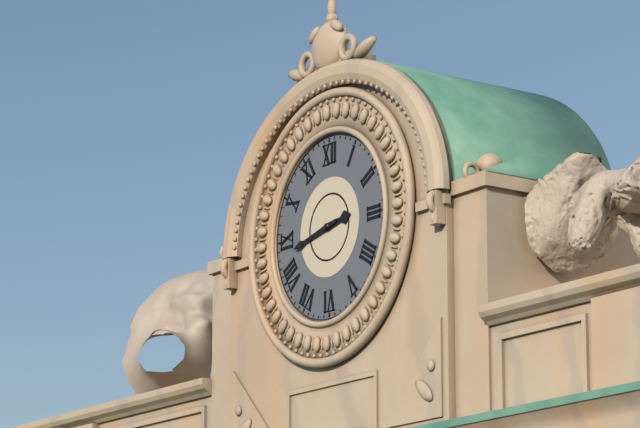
{"hour": 2, "minute": 43}
